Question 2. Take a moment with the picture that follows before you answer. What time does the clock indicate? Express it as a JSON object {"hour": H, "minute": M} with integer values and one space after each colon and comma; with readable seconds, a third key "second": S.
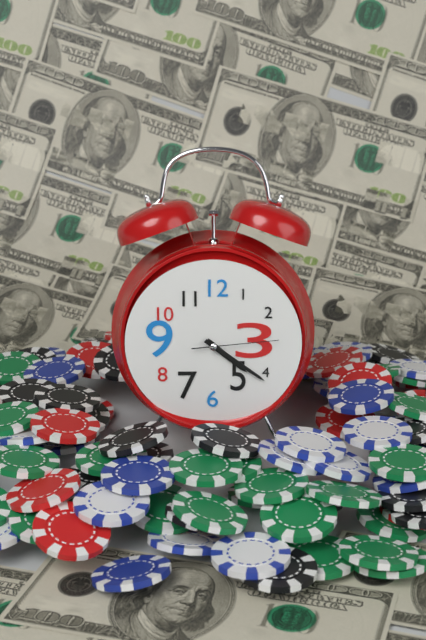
{"hour": 4, "minute": 21, "second": 14}
